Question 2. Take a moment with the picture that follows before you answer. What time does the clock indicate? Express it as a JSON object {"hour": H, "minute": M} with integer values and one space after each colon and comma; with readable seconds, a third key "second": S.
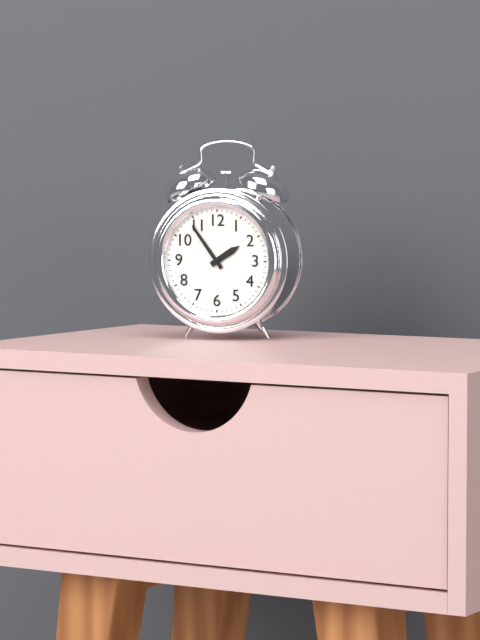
{"hour": 1, "minute": 54}
